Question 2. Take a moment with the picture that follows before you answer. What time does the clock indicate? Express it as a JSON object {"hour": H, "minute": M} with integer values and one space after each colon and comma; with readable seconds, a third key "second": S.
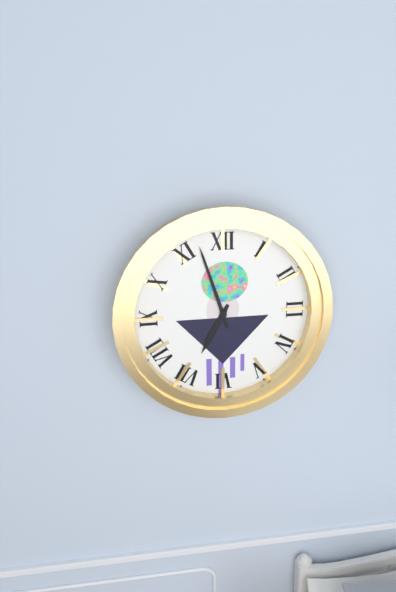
{"hour": 6, "minute": 57}
